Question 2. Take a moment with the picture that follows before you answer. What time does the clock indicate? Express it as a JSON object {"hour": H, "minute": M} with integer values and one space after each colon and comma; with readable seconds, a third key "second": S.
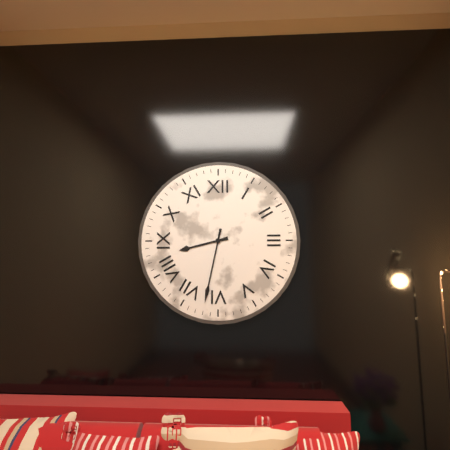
{"hour": 8, "minute": 32}
